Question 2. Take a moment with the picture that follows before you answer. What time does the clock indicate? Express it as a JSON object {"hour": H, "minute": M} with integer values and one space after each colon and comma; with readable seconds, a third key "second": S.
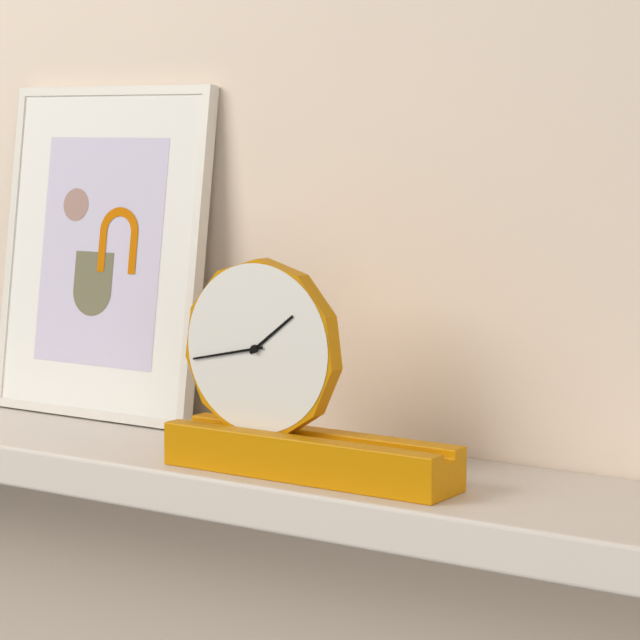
{"hour": 1, "minute": 43}
